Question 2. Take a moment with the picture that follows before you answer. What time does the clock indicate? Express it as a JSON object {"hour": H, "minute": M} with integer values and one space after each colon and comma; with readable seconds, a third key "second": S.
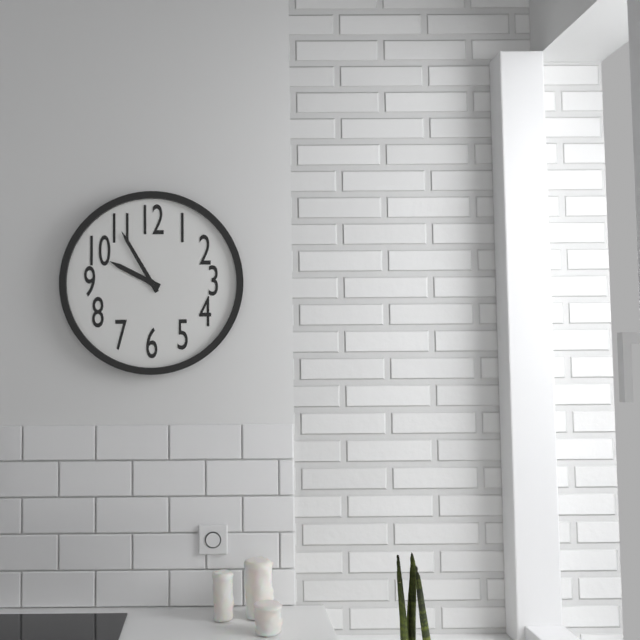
{"hour": 9, "minute": 55}
